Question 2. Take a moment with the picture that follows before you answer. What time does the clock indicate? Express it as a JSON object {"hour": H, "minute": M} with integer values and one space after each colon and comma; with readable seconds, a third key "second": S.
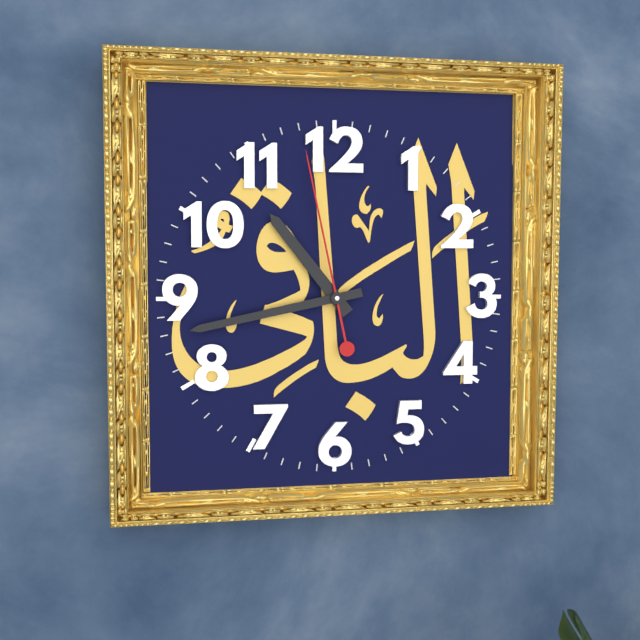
{"hour": 10, "minute": 43, "second": 58}
